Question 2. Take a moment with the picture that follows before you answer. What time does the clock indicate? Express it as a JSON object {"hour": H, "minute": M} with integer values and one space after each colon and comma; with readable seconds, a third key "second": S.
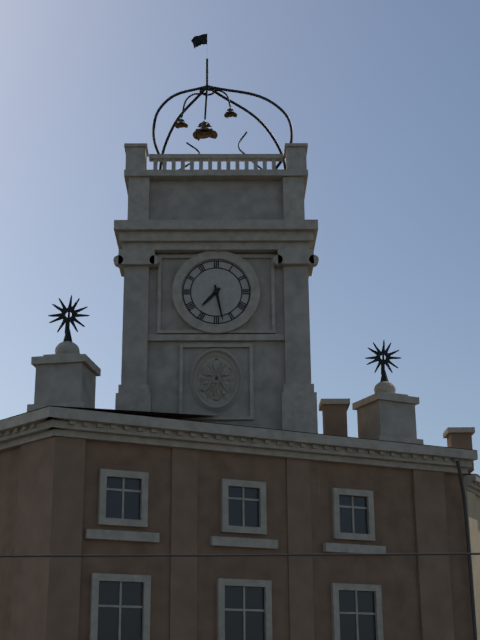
{"hour": 7, "minute": 28}
